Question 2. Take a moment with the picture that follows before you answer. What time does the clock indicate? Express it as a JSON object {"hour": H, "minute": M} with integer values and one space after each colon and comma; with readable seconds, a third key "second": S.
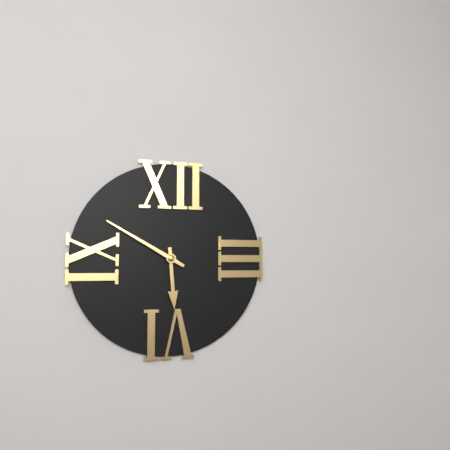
{"hour": 5, "minute": 50}
